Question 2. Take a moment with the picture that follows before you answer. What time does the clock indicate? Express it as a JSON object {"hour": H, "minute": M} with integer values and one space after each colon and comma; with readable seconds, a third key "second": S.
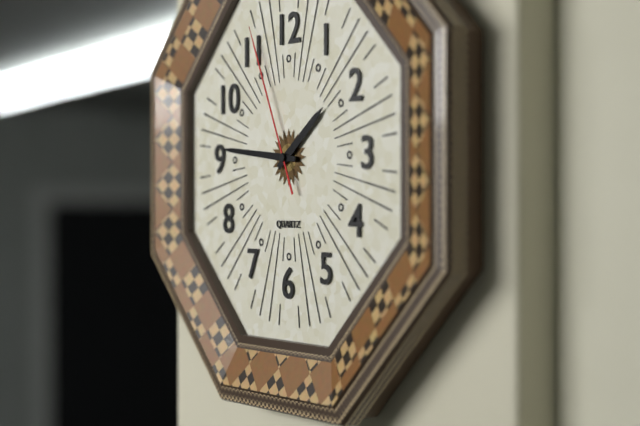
{"hour": 1, "minute": 46, "second": 56}
